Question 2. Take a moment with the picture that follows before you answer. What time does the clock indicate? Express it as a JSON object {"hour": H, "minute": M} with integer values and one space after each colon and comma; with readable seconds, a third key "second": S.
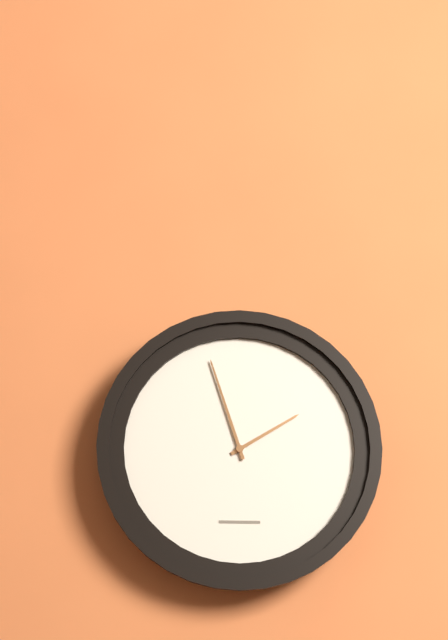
{"hour": 1, "minute": 57}
